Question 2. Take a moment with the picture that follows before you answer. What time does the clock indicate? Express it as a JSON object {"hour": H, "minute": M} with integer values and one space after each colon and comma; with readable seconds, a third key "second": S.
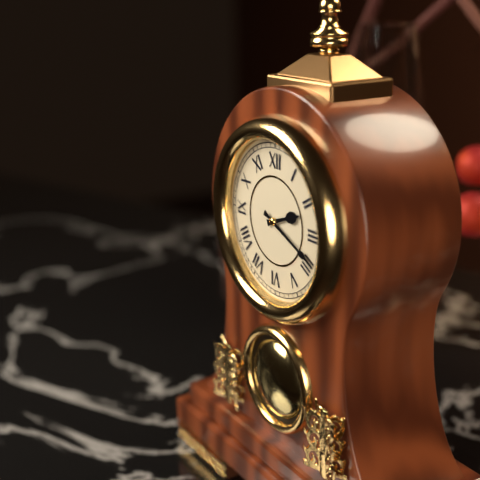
{"hour": 2, "minute": 19}
